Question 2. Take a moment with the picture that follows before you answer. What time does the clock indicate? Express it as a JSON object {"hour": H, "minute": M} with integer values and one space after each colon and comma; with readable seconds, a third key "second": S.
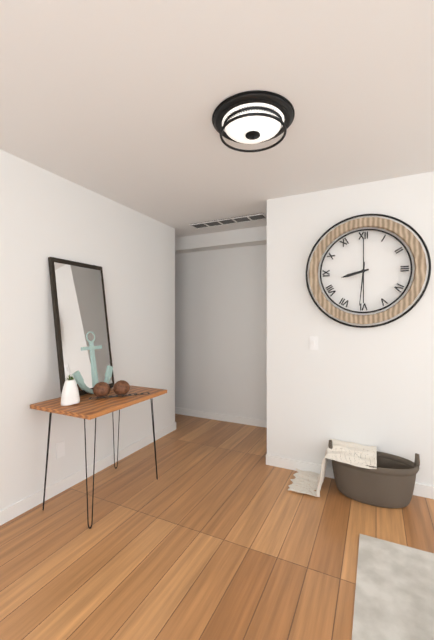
{"hour": 8, "minute": 31}
